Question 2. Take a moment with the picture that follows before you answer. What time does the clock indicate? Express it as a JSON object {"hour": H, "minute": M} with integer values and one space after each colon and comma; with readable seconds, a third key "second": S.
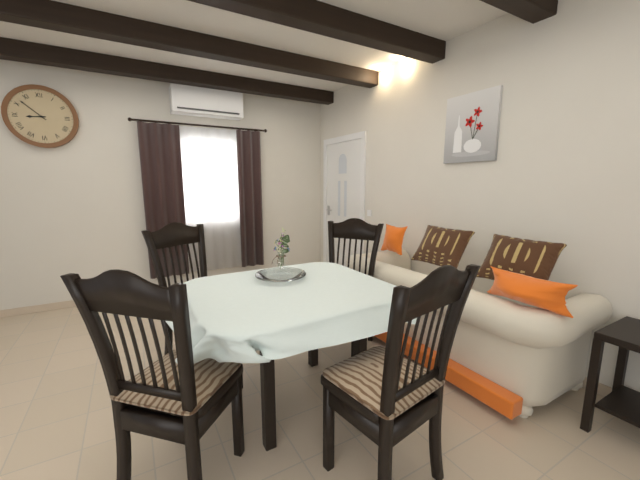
{"hour": 8, "minute": 52}
